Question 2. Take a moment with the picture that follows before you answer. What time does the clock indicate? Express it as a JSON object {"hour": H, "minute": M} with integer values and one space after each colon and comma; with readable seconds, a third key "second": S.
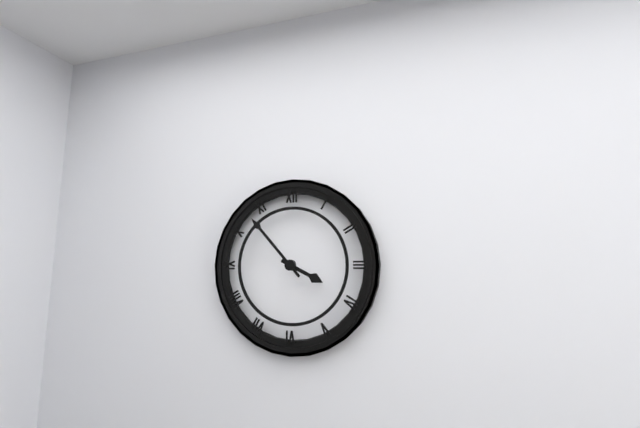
{"hour": 3, "minute": 53}
